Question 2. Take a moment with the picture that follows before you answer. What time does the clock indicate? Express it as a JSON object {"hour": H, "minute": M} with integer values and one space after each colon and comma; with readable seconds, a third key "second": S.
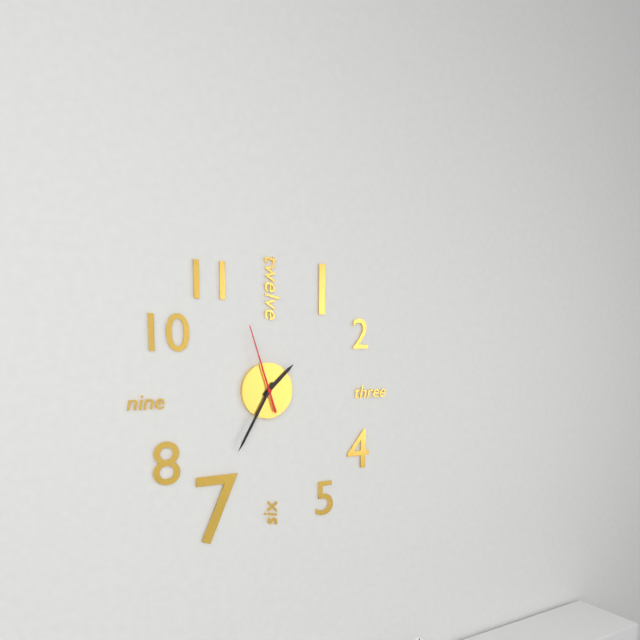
{"hour": 1, "minute": 35, "second": 57}
